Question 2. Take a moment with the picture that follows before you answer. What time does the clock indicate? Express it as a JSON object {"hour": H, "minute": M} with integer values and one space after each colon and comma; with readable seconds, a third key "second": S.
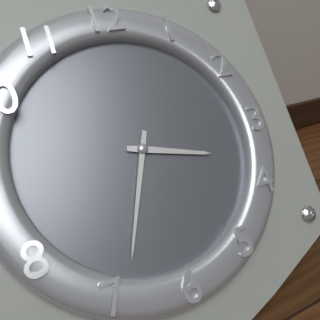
{"hour": 3, "minute": 34}
